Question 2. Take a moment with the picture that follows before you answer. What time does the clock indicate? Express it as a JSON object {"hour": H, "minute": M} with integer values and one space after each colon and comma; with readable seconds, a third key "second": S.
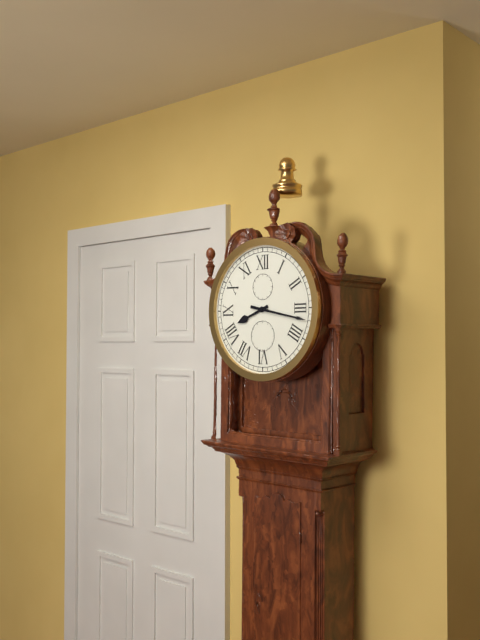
{"hour": 8, "minute": 17}
